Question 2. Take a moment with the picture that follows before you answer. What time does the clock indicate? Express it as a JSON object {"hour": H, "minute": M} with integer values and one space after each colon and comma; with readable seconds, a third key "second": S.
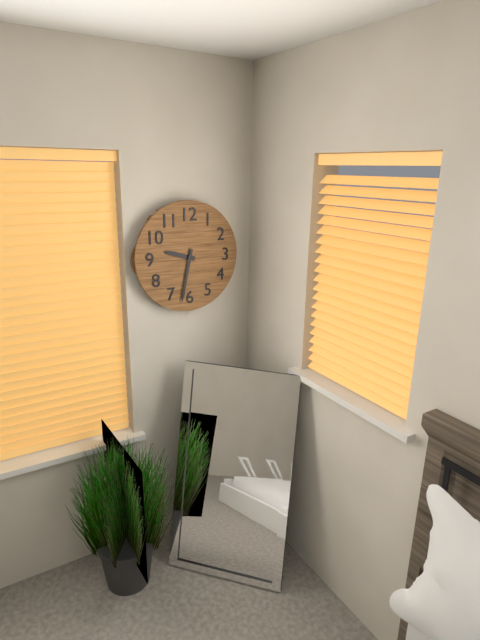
{"hour": 9, "minute": 32}
